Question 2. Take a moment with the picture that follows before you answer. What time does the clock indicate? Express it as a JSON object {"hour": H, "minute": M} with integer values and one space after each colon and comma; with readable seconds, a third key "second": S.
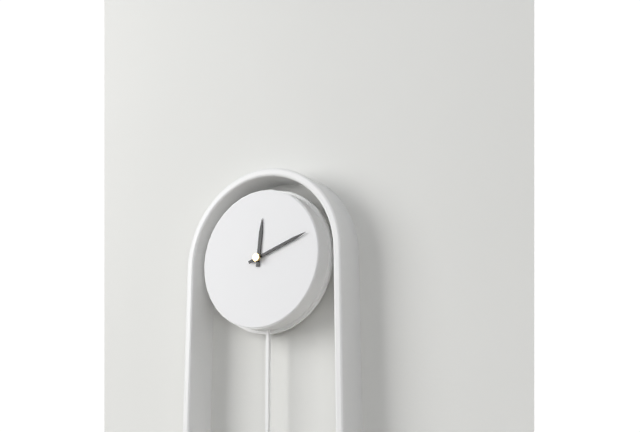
{"hour": 12, "minute": 12}
